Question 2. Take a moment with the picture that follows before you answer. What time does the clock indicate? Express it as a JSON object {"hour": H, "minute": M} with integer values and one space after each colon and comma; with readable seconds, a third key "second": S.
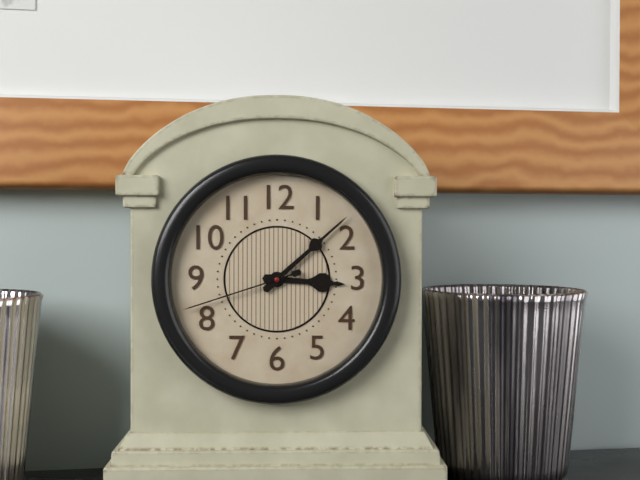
{"hour": 3, "minute": 8, "second": 42}
